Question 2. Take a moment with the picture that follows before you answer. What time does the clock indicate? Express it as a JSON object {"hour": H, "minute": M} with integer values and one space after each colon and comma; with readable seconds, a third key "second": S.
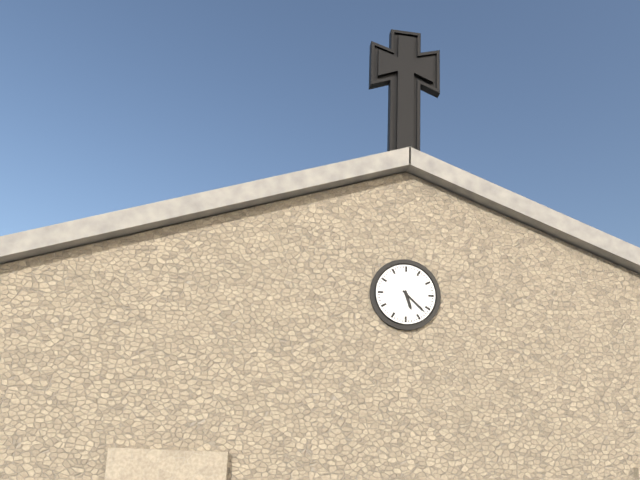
{"hour": 5, "minute": 22}
